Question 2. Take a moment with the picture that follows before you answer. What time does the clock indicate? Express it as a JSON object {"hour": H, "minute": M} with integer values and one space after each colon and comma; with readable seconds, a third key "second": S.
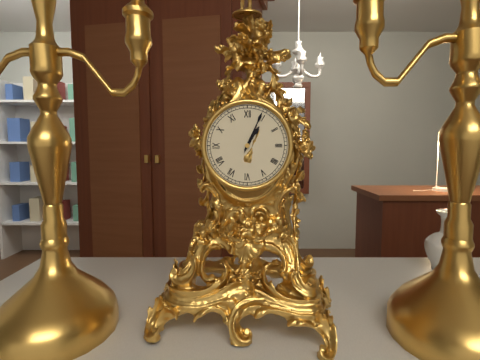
{"hour": 1, "minute": 4}
